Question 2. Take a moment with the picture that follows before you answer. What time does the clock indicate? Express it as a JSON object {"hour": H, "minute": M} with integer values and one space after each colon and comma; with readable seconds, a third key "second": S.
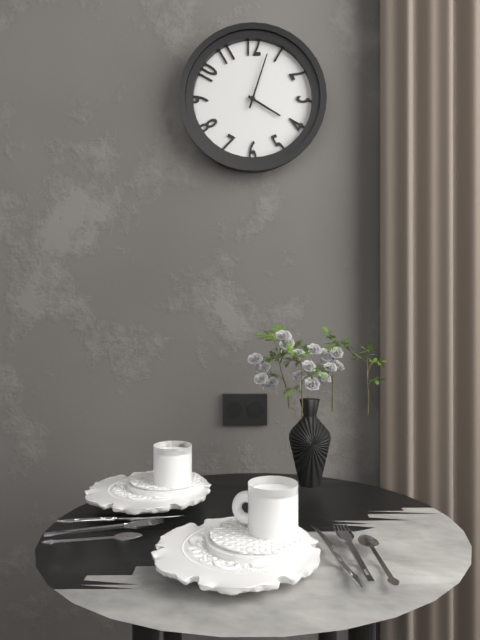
{"hour": 4, "minute": 3}
